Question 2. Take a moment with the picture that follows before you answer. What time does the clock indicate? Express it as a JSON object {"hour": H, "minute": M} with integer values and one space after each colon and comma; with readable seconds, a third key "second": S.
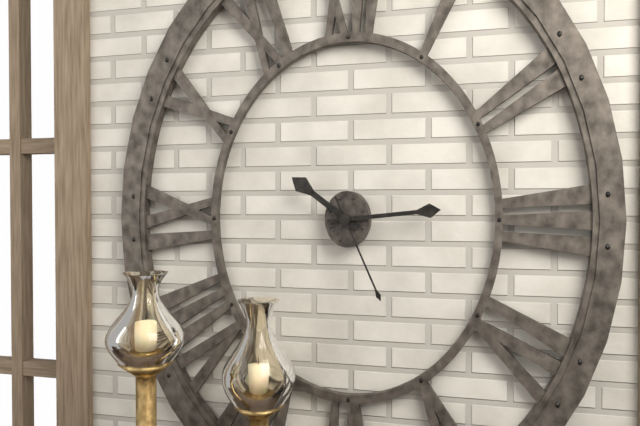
{"hour": 10, "minute": 14, "second": 26}
